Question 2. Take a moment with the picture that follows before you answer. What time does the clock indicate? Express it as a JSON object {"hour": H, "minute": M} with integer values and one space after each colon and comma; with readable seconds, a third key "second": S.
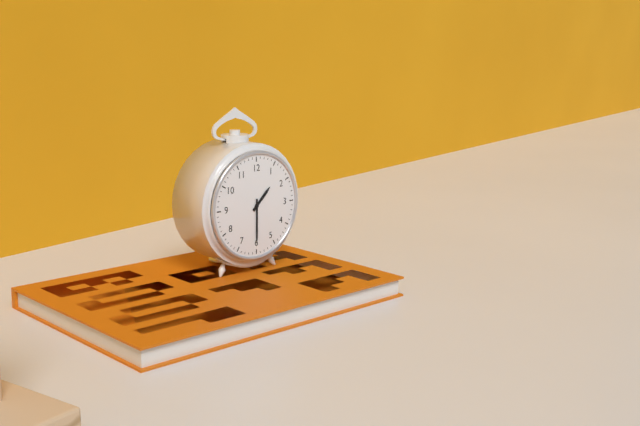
{"hour": 1, "minute": 30}
